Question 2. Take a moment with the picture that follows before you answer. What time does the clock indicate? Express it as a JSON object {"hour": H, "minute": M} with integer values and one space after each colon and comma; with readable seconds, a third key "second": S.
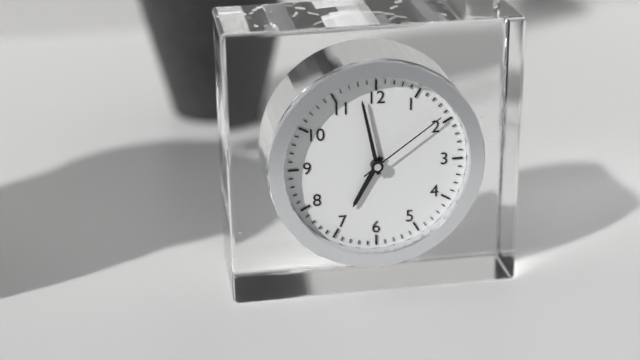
{"hour": 6, "minute": 58, "second": 9}
